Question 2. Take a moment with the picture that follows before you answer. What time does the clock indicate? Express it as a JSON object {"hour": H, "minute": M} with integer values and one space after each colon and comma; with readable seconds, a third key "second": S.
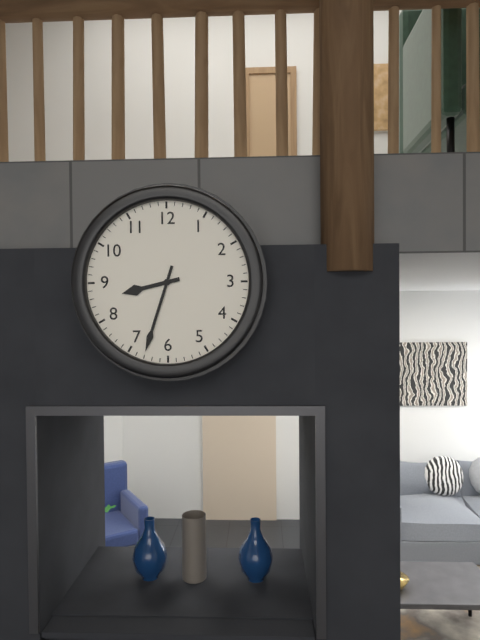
{"hour": 8, "minute": 33}
